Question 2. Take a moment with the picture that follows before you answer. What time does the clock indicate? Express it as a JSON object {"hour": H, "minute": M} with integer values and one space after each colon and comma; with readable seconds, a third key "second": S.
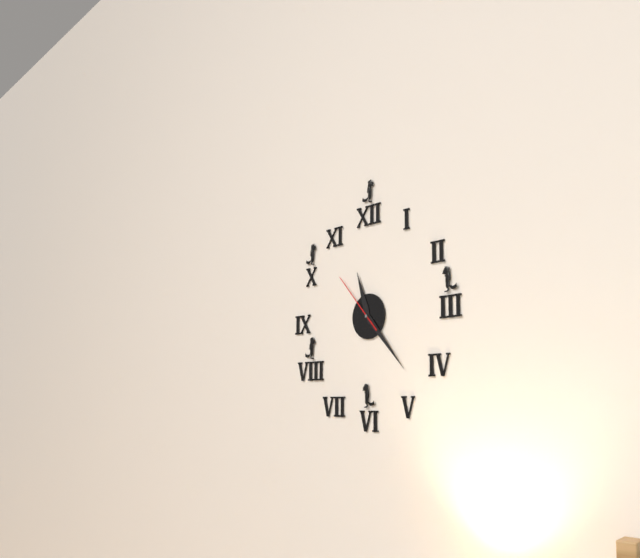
{"hour": 11, "minute": 23, "second": 53}
